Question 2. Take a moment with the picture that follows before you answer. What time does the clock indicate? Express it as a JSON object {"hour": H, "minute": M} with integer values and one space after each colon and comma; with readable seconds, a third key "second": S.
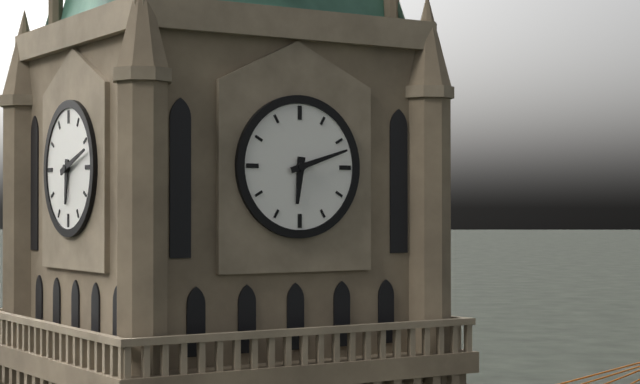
{"hour": 6, "minute": 12}
